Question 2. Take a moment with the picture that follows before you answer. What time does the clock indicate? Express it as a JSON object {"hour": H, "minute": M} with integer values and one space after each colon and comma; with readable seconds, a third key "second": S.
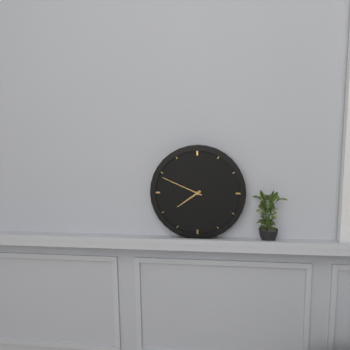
{"hour": 7, "minute": 49}
